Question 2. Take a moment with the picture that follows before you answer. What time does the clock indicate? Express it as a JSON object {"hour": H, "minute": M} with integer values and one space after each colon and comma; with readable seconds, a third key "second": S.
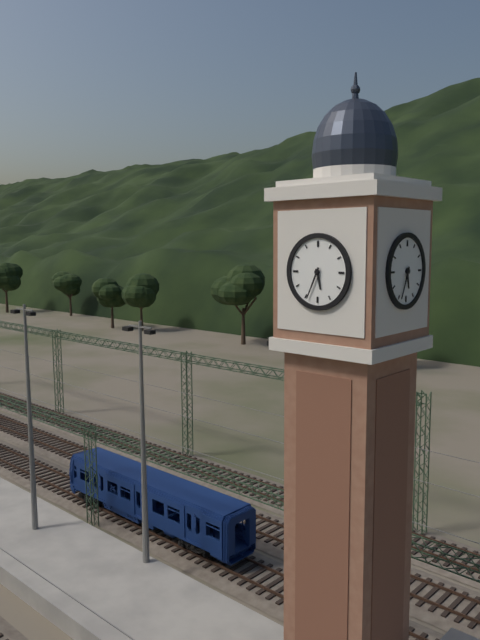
{"hour": 5, "minute": 34}
